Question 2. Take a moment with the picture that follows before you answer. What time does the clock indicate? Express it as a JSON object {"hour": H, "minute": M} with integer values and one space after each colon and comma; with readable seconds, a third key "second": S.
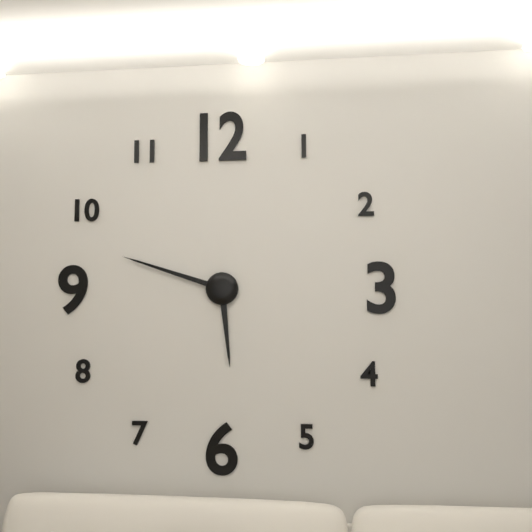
{"hour": 5, "minute": 48}
